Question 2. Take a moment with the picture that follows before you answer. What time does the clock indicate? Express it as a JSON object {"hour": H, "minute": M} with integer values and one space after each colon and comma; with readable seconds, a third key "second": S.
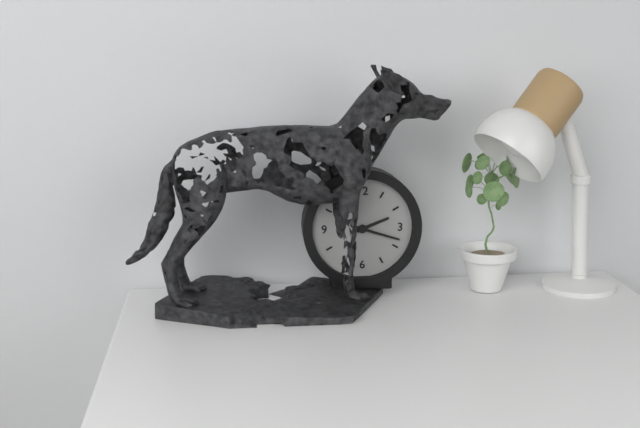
{"hour": 2, "minute": 18}
